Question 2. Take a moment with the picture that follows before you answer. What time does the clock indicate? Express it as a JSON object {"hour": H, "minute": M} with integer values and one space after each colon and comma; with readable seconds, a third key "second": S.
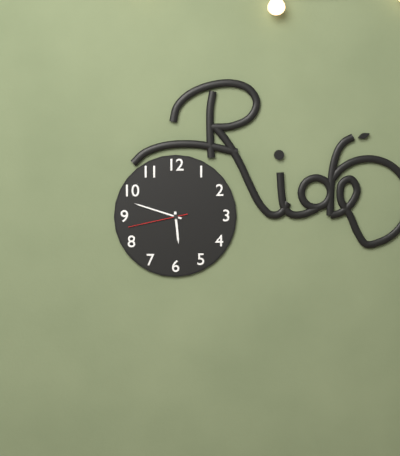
{"hour": 5, "minute": 48, "second": 43}
